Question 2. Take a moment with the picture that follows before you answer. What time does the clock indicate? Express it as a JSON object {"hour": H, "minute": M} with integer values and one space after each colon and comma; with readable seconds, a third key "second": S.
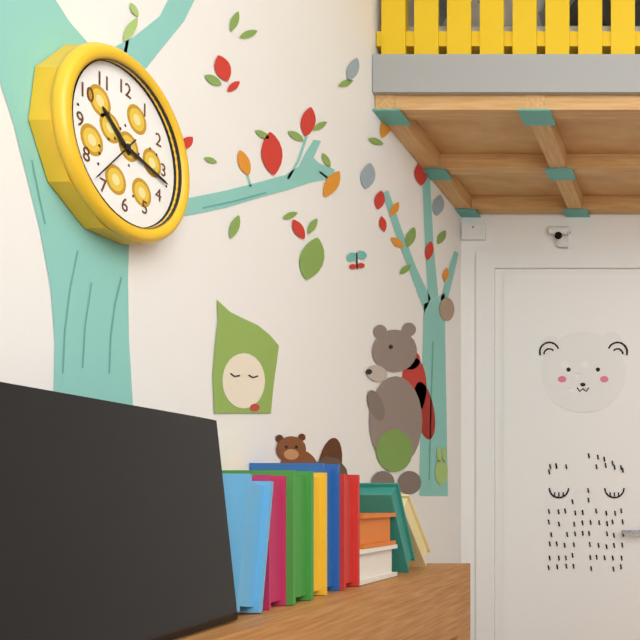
{"hour": 10, "minute": 17, "second": 37}
